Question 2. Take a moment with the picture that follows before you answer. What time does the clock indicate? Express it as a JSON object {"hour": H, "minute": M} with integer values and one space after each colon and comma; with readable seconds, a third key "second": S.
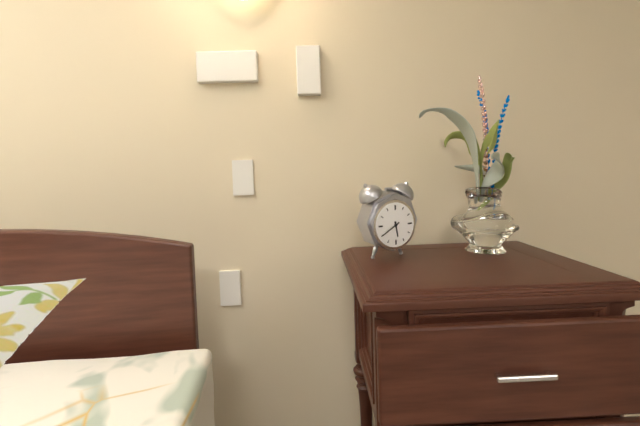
{"hour": 5, "minute": 40}
